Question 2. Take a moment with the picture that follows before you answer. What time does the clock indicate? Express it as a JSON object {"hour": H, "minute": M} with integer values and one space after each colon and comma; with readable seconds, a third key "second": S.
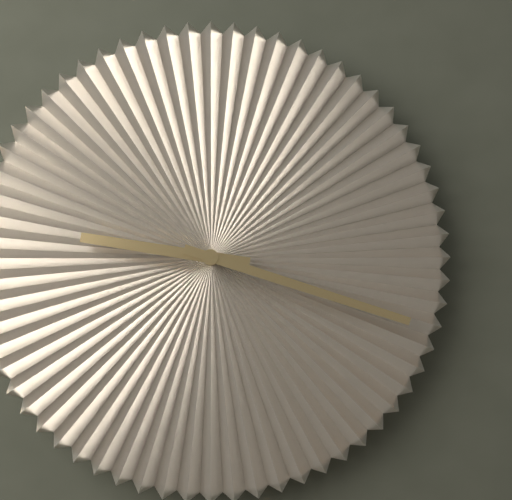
{"hour": 9, "minute": 18}
